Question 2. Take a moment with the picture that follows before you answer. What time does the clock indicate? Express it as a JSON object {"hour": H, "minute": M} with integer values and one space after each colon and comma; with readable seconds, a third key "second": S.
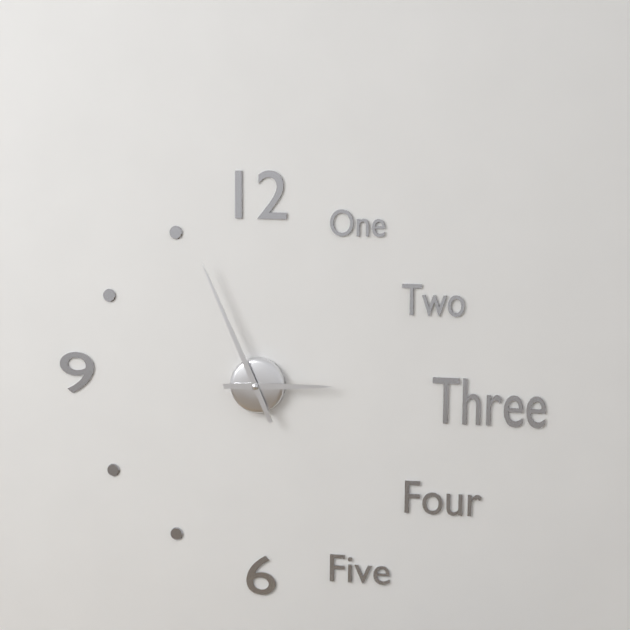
{"hour": 2, "minute": 56}
